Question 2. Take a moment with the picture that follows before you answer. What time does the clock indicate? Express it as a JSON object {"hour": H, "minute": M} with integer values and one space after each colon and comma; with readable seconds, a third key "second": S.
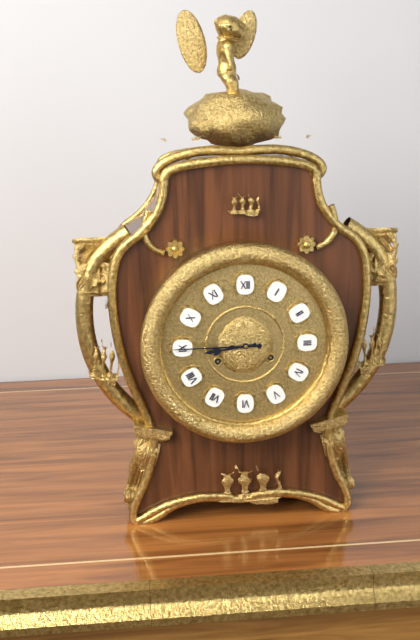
{"hour": 8, "minute": 45}
